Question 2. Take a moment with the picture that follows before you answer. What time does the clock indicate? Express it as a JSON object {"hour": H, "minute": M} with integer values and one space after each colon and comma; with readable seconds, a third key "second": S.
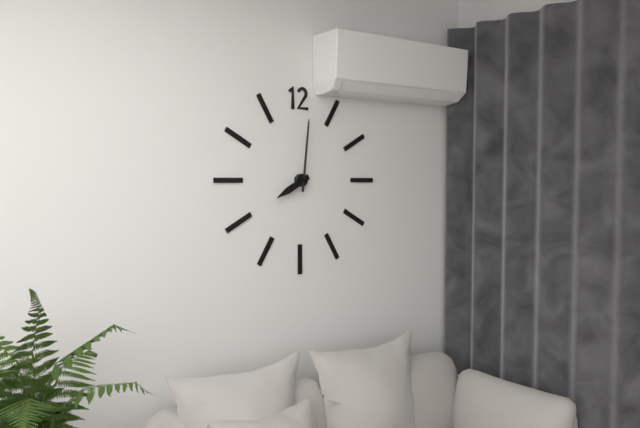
{"hour": 8, "minute": 1}
